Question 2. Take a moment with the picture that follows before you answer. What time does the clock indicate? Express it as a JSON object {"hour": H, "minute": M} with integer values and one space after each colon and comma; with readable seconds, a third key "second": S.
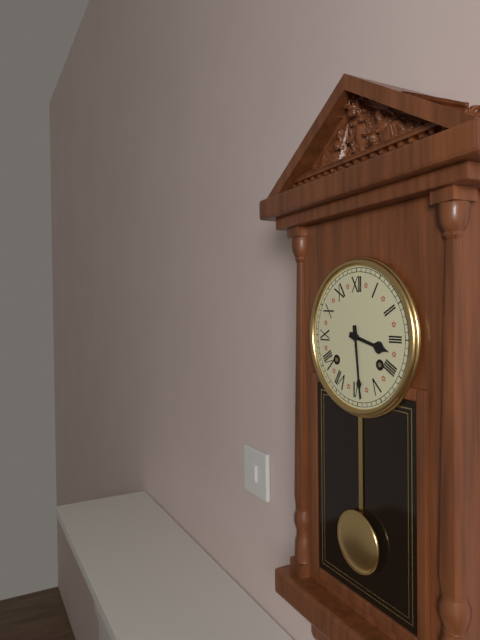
{"hour": 3, "minute": 29}
